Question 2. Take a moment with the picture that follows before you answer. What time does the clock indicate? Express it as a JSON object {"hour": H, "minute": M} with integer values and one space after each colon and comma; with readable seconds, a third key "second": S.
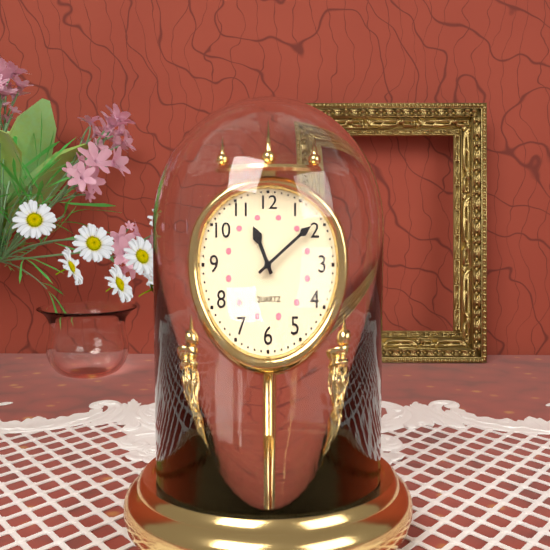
{"hour": 11, "minute": 9}
